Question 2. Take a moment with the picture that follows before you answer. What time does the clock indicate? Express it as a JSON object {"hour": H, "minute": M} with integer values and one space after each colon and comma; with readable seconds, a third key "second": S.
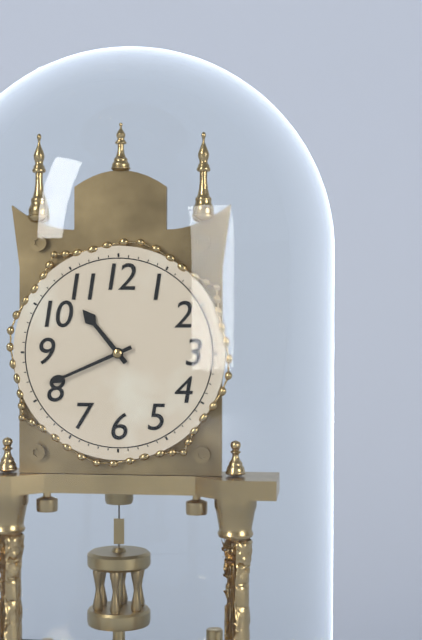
{"hour": 10, "minute": 41}
